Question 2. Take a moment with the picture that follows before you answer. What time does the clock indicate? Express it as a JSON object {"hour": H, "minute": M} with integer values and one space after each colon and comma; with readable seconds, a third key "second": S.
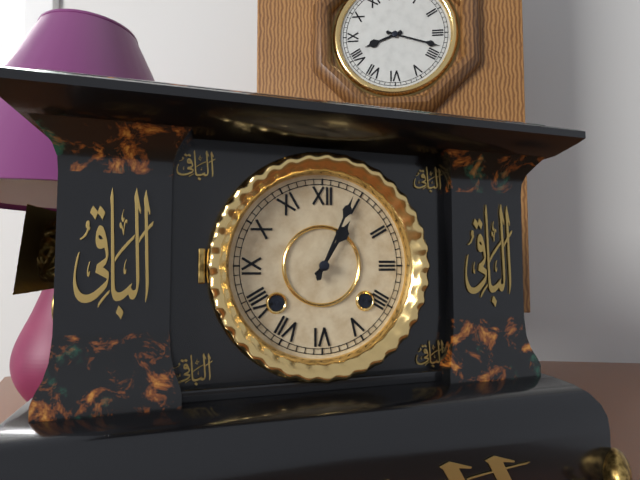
{"hour": 1, "minute": 4}
